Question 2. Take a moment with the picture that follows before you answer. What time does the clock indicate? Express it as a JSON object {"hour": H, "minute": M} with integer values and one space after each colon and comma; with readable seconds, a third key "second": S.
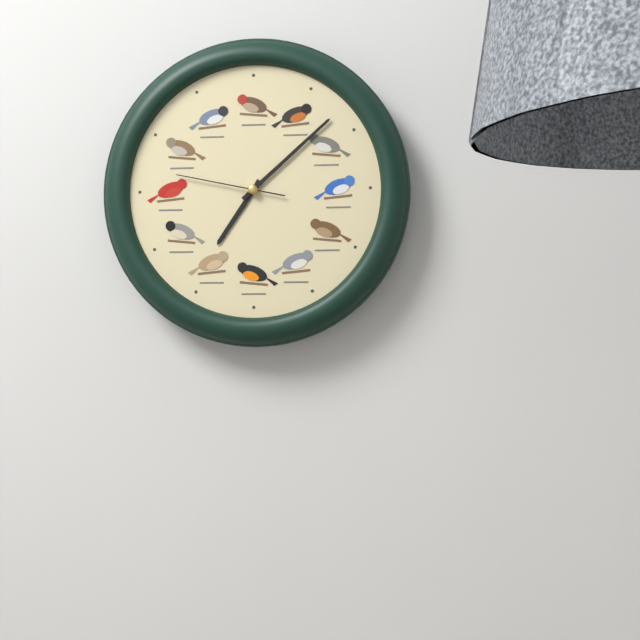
{"hour": 7, "minute": 8, "second": 47}
